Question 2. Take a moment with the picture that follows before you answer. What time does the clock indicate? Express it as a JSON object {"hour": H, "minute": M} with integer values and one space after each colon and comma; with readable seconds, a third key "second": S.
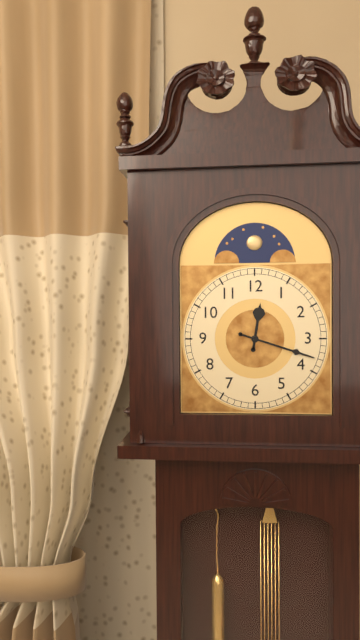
{"hour": 12, "minute": 18}
